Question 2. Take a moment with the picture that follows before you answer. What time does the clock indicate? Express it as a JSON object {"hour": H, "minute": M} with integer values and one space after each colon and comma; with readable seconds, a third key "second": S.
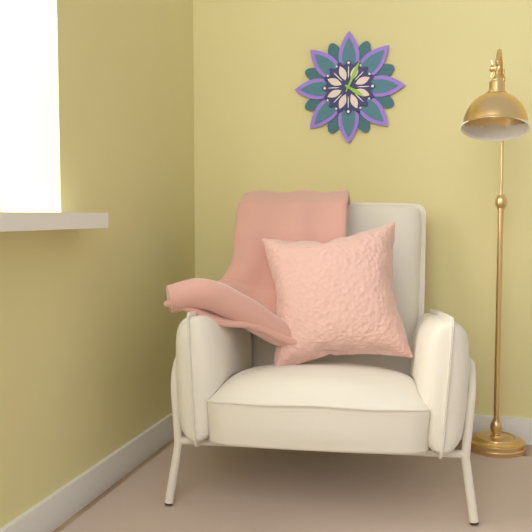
{"hour": 4, "minute": 4}
